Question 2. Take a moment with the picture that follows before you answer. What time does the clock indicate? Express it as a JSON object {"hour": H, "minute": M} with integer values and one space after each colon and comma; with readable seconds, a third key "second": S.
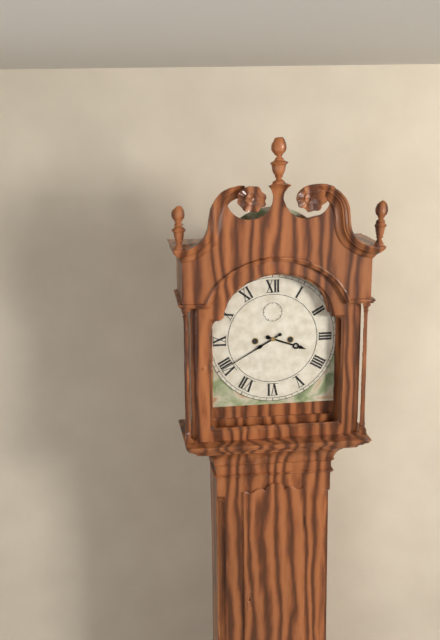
{"hour": 3, "minute": 40}
